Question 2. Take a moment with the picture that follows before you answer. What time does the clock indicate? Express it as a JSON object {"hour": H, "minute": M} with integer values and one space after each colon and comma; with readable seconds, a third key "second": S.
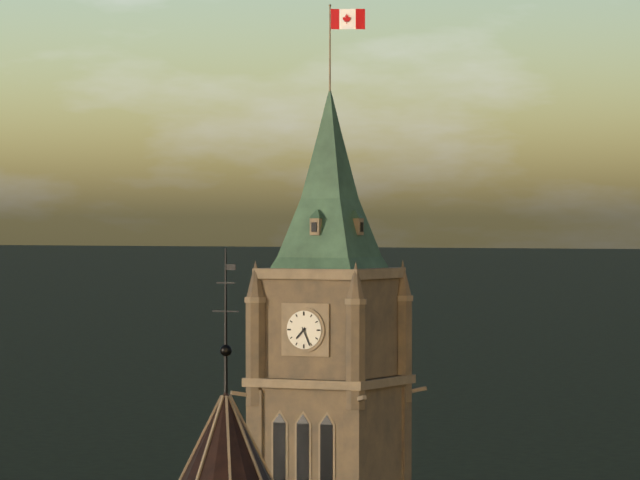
{"hour": 7, "minute": 26}
